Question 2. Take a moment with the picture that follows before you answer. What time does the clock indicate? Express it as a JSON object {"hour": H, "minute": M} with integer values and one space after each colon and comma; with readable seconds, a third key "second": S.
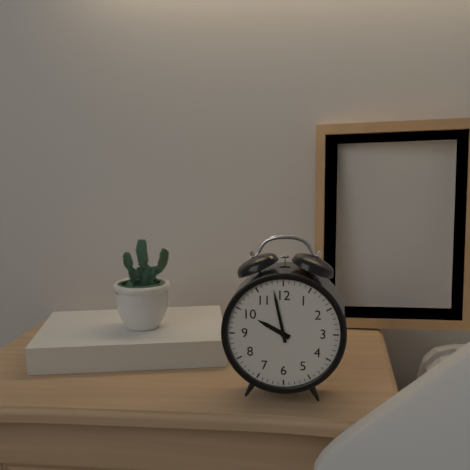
{"hour": 9, "minute": 58}
